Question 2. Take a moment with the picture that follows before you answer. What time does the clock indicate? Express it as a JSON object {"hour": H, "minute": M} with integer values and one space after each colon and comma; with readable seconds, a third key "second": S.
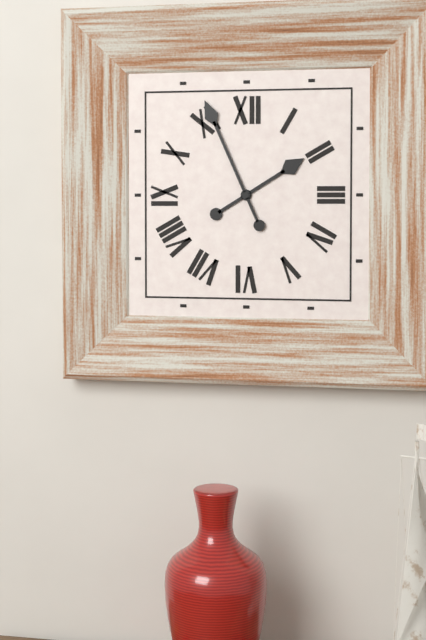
{"hour": 1, "minute": 56}
